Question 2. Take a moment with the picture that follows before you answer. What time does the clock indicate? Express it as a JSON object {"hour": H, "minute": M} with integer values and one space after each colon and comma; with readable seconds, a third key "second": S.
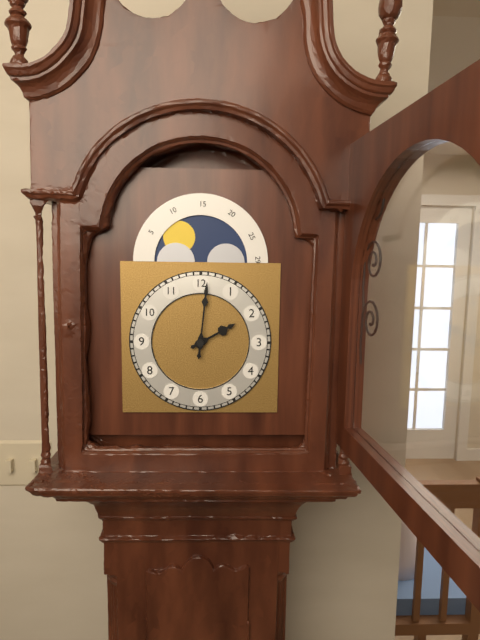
{"hour": 2, "minute": 1}
